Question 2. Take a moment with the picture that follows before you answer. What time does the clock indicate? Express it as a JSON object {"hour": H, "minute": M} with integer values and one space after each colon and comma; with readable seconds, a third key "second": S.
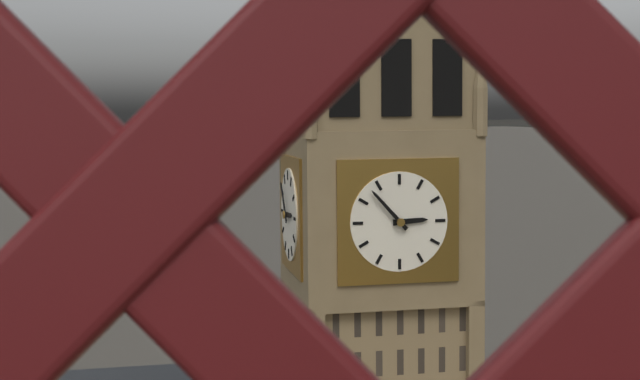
{"hour": 2, "minute": 53}
